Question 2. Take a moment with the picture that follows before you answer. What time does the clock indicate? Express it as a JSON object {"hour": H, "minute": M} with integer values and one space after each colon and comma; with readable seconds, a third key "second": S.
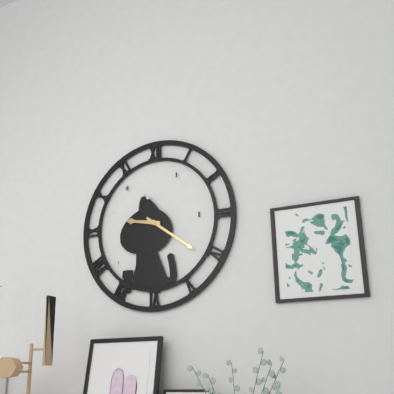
{"hour": 9, "minute": 21}
